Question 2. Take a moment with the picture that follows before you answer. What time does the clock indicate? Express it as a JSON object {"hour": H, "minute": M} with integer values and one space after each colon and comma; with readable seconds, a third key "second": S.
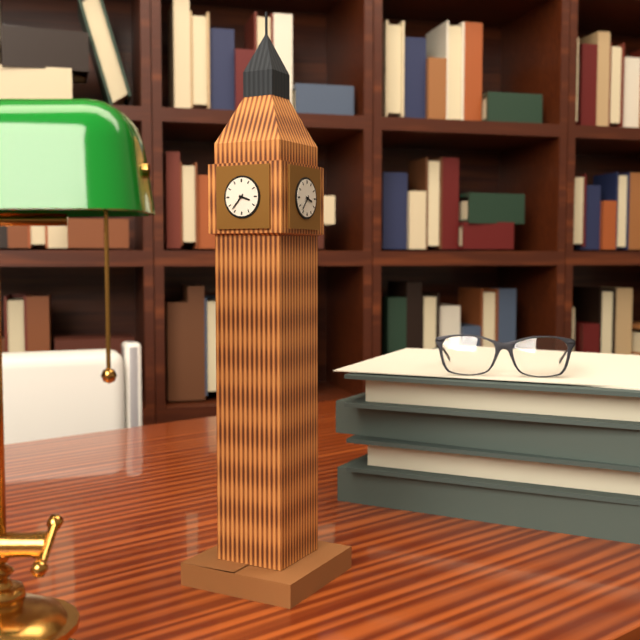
{"hour": 3, "minute": 37}
